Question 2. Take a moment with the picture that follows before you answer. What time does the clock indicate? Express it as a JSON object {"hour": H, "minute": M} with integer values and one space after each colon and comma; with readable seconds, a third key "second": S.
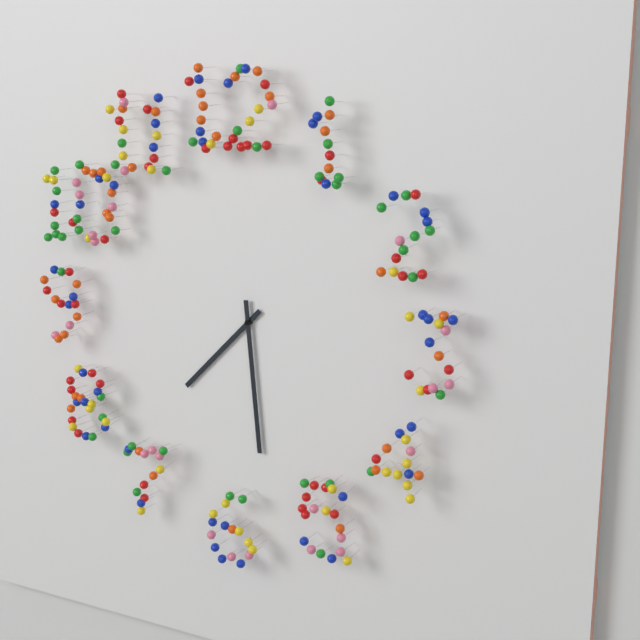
{"hour": 7, "minute": 29}
